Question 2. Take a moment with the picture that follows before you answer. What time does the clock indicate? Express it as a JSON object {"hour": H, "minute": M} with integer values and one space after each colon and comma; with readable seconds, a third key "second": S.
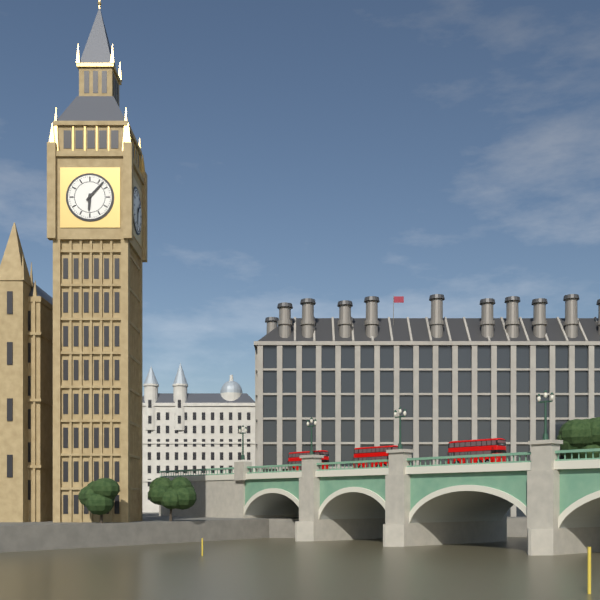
{"hour": 6, "minute": 7}
